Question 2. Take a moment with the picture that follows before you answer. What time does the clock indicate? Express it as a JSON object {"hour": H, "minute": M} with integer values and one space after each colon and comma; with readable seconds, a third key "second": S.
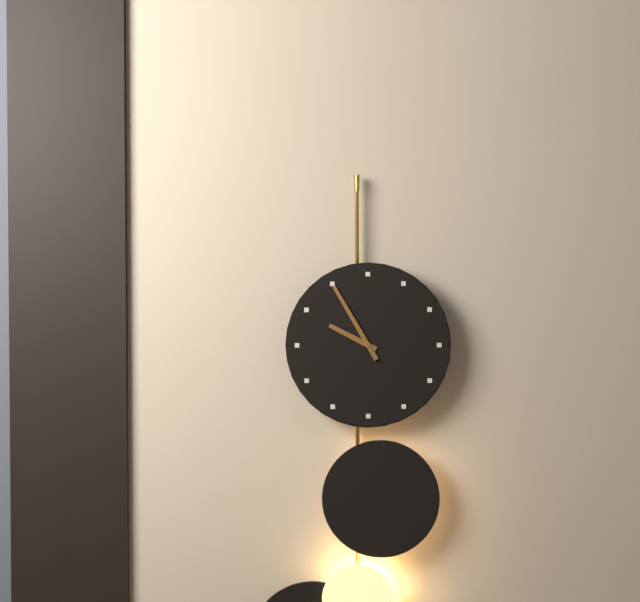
{"hour": 9, "minute": 55}
